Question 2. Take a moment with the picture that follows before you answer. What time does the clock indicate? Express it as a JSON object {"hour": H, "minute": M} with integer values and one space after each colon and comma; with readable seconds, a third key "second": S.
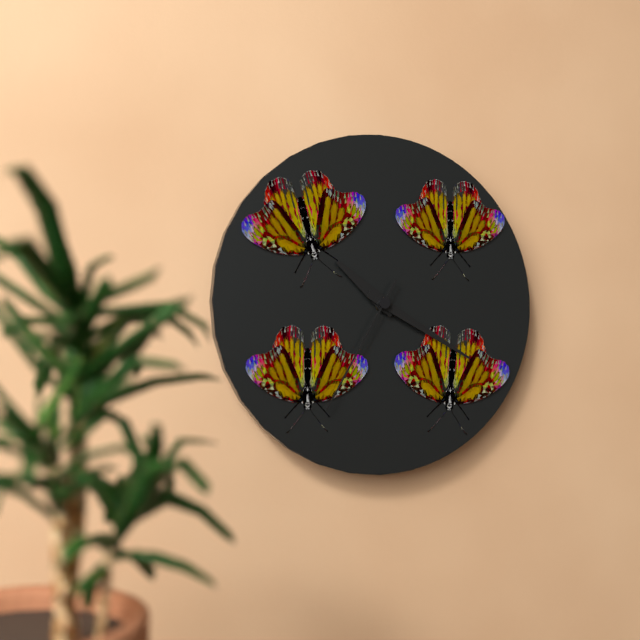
{"hour": 10, "minute": 20, "second": 35}
